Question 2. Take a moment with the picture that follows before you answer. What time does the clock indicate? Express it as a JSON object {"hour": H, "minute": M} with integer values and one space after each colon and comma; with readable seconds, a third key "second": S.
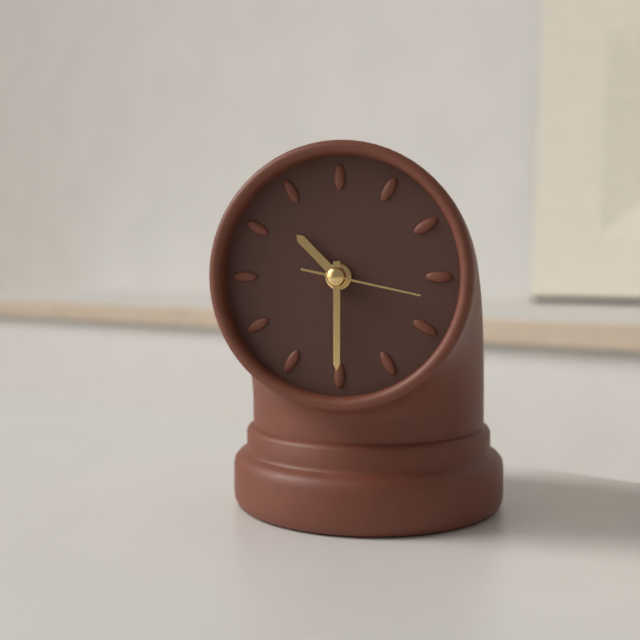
{"hour": 10, "minute": 30, "second": 17}
